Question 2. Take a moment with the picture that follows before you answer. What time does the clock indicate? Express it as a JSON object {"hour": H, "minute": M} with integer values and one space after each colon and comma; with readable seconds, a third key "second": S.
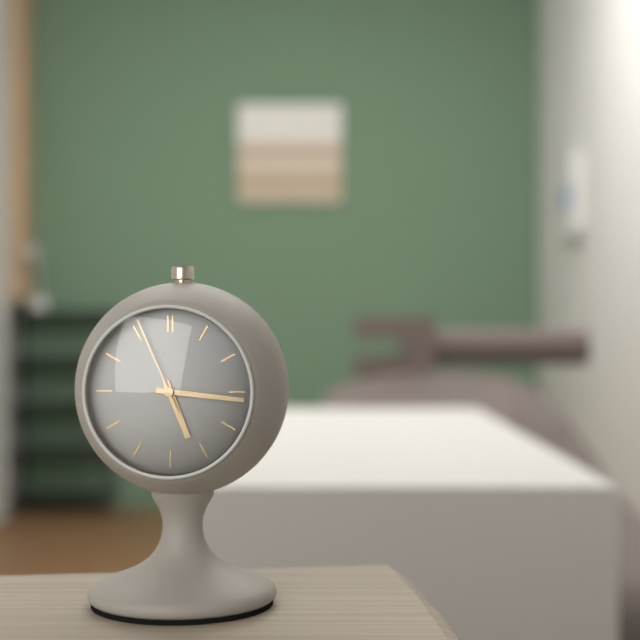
{"hour": 5, "minute": 16, "second": 56}
